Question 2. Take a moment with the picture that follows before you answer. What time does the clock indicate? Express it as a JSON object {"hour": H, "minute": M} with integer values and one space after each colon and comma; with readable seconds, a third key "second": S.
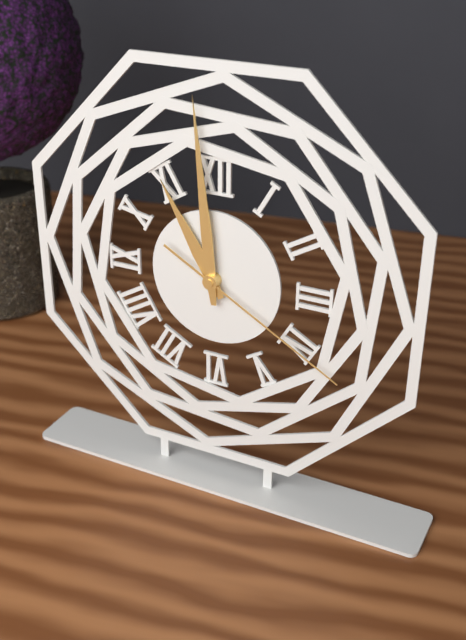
{"hour": 10, "minute": 59, "second": 20}
